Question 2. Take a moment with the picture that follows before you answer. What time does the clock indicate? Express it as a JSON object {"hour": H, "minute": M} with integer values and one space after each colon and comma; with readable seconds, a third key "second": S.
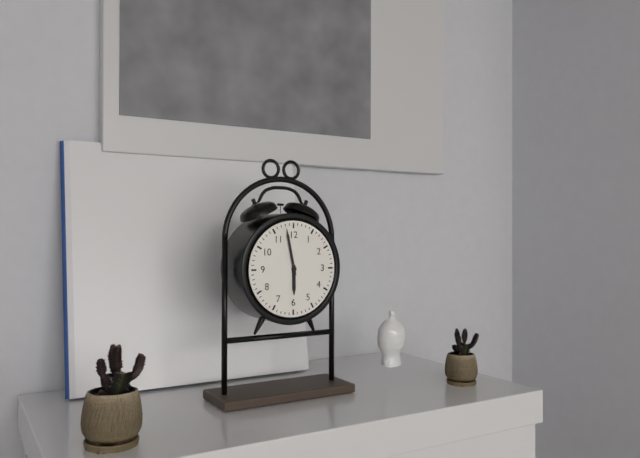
{"hour": 5, "minute": 58}
